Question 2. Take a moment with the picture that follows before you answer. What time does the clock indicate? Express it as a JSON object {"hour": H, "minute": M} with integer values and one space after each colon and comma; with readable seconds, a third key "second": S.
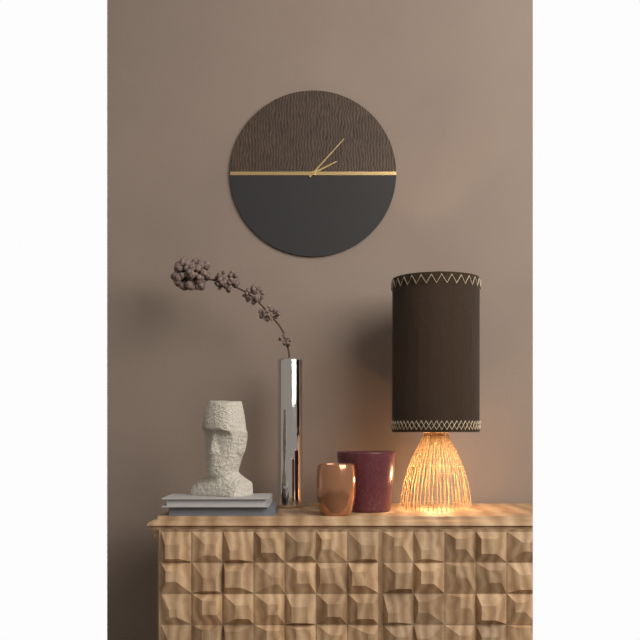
{"hour": 2, "minute": 7}
